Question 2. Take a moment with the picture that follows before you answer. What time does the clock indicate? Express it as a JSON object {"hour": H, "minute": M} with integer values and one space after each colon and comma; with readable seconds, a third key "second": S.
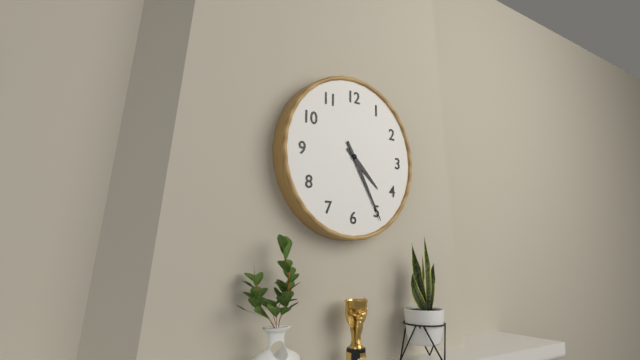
{"hour": 4, "minute": 25}
